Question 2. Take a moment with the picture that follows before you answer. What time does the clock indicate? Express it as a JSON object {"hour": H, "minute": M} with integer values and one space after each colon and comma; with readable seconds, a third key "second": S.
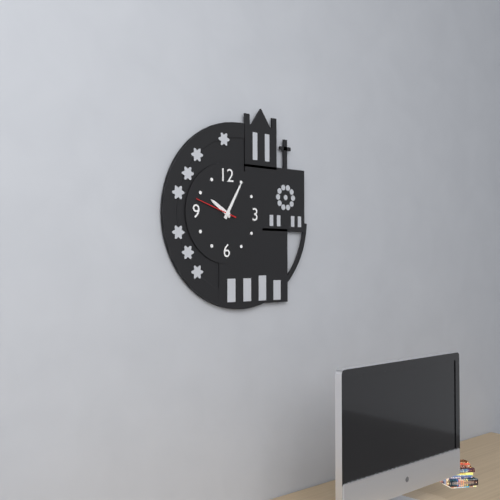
{"hour": 10, "minute": 5}
